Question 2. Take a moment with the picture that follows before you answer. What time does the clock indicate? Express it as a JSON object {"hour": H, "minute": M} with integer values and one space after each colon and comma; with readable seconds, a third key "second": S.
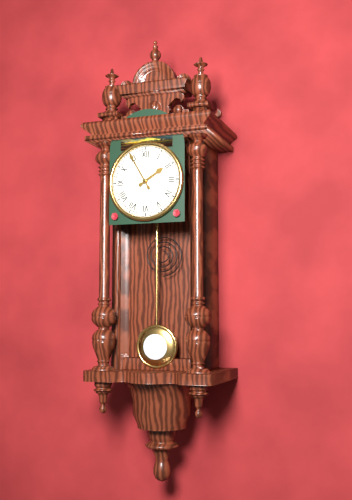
{"hour": 1, "minute": 55}
